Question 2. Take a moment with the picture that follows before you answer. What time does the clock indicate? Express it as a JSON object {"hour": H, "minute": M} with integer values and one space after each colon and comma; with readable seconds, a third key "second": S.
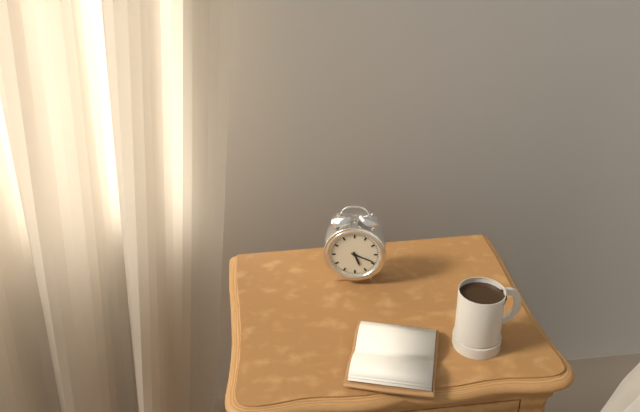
{"hour": 5, "minute": 19}
